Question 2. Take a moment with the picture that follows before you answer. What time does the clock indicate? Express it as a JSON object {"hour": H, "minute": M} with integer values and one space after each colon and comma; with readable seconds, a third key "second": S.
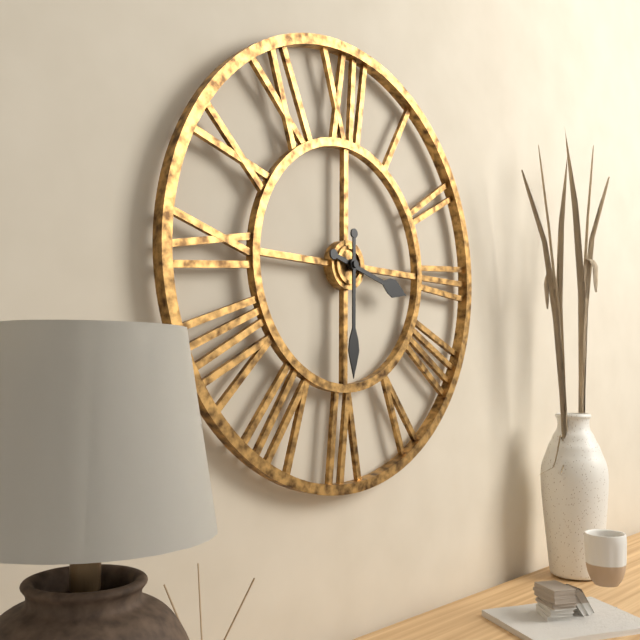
{"hour": 3, "minute": 30}
